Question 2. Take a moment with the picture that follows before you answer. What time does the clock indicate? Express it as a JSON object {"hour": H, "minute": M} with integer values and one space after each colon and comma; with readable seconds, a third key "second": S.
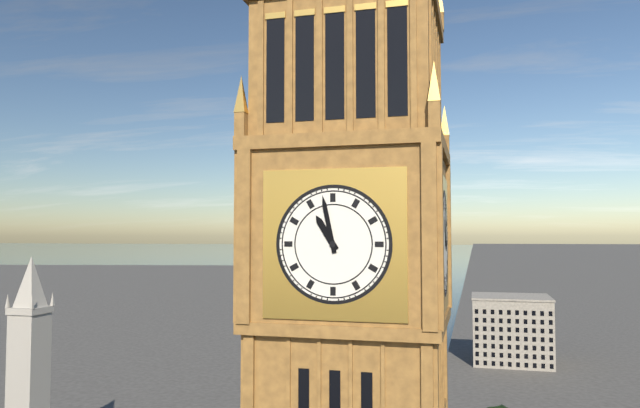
{"hour": 10, "minute": 58}
